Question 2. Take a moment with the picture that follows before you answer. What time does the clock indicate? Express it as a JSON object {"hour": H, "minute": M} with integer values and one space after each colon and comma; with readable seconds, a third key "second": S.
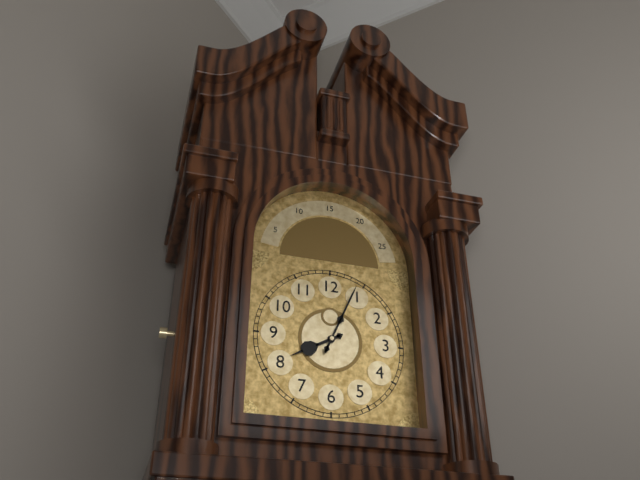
{"hour": 8, "minute": 4}
